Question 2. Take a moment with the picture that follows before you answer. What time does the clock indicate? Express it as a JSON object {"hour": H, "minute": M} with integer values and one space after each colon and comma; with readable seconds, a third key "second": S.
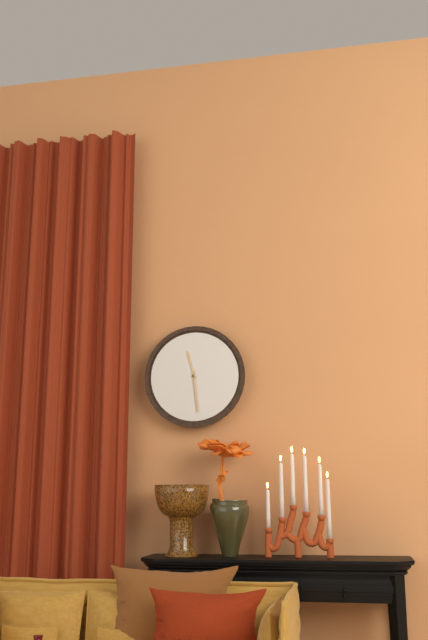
{"hour": 11, "minute": 29}
